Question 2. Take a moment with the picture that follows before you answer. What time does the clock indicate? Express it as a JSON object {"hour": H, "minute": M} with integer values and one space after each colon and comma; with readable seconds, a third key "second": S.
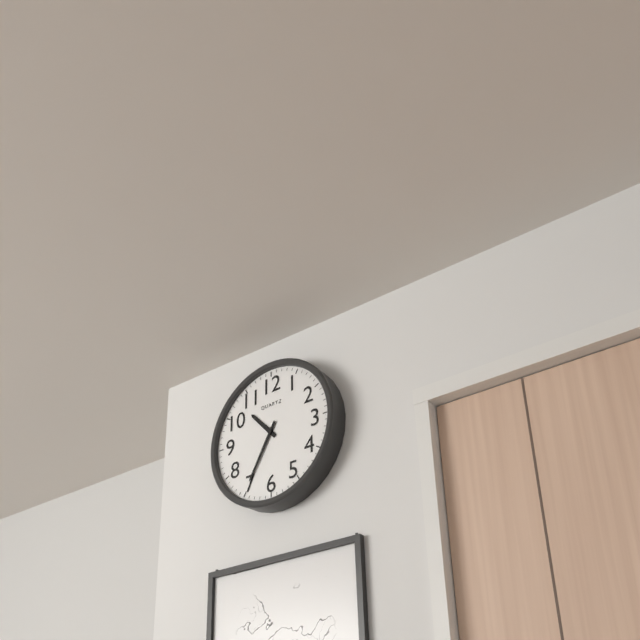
{"hour": 10, "minute": 35}
